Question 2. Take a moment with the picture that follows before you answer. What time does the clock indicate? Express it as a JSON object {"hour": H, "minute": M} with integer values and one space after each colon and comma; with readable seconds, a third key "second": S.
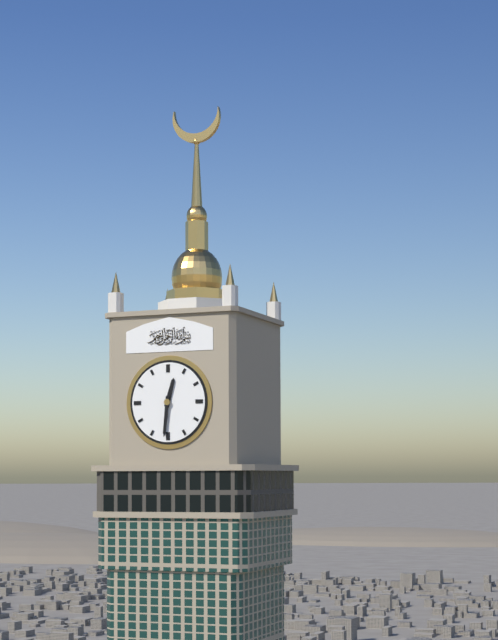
{"hour": 12, "minute": 31}
